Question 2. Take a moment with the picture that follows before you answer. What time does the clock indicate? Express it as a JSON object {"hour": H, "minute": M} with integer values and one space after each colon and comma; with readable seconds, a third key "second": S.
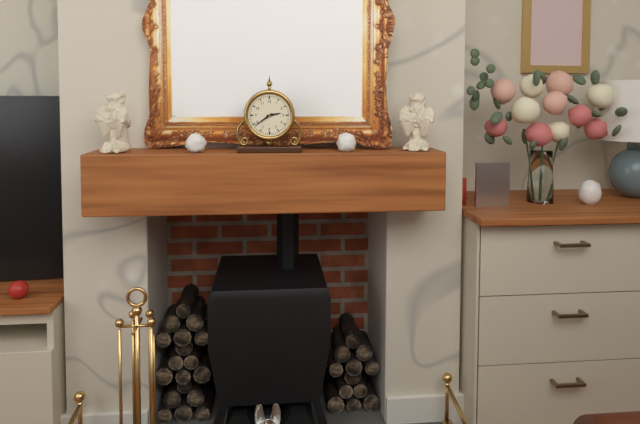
{"hour": 2, "minute": 39}
